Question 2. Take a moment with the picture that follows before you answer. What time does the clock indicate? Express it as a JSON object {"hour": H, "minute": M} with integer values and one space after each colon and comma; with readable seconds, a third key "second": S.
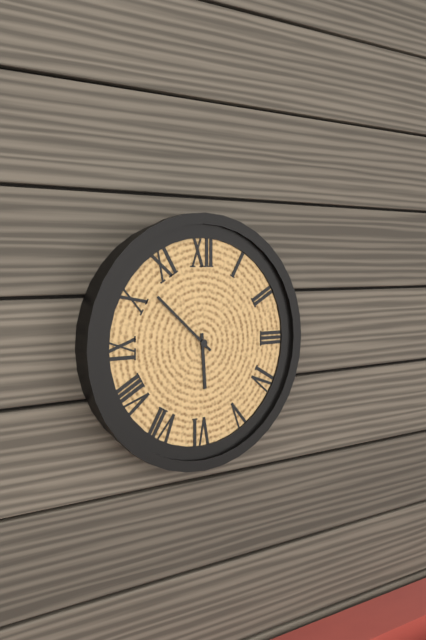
{"hour": 5, "minute": 52}
